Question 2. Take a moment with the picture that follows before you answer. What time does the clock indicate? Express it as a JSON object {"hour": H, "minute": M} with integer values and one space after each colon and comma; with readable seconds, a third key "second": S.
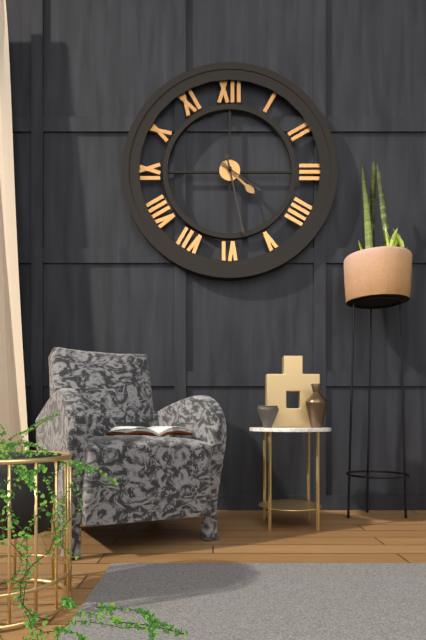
{"hour": 4, "minute": 28}
